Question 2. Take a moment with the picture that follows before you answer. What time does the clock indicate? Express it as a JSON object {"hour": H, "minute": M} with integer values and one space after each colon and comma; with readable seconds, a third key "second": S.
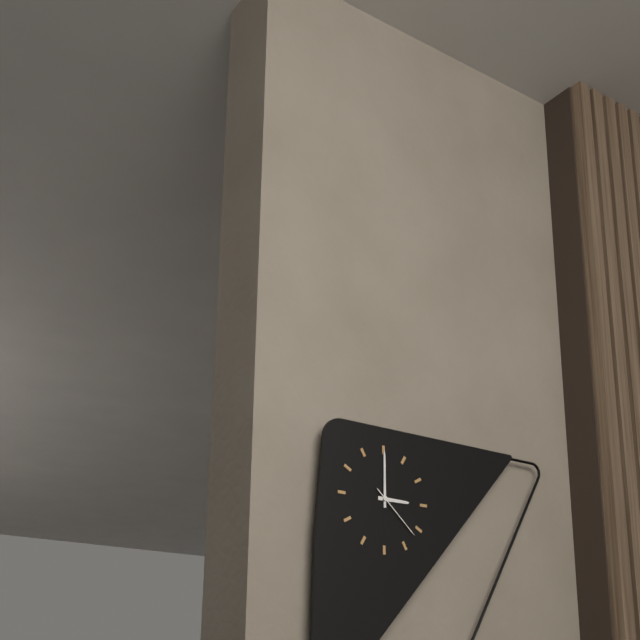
{"hour": 3, "minute": 0, "second": 22}
